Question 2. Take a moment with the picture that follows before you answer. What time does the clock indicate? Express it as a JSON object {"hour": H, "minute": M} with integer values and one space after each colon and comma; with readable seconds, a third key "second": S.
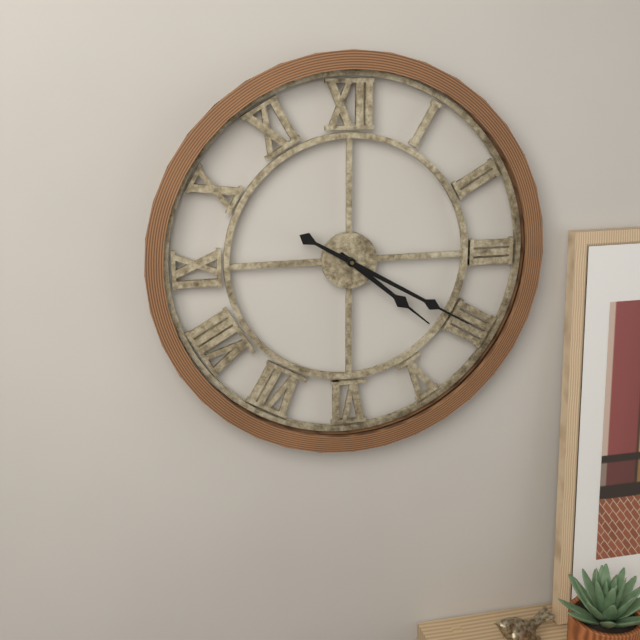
{"hour": 4, "minute": 20}
